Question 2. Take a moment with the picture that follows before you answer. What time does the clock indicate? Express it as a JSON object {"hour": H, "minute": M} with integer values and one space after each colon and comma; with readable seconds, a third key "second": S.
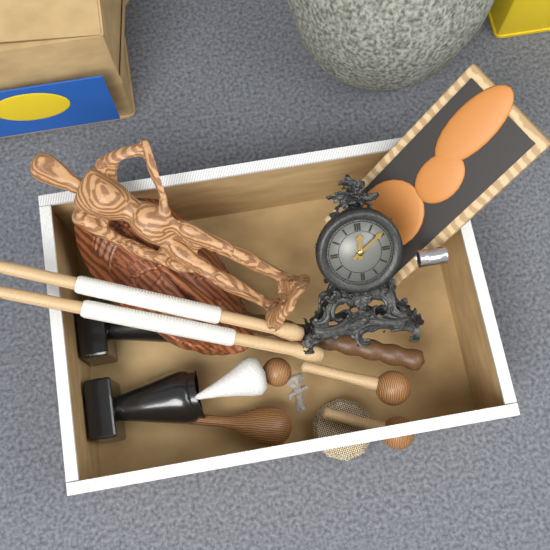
{"hour": 12, "minute": 9}
